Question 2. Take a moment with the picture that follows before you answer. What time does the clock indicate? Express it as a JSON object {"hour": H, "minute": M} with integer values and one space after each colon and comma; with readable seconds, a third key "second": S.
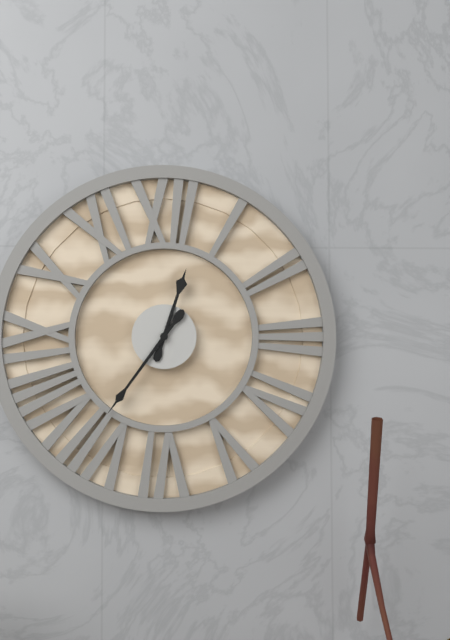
{"hour": 12, "minute": 36}
